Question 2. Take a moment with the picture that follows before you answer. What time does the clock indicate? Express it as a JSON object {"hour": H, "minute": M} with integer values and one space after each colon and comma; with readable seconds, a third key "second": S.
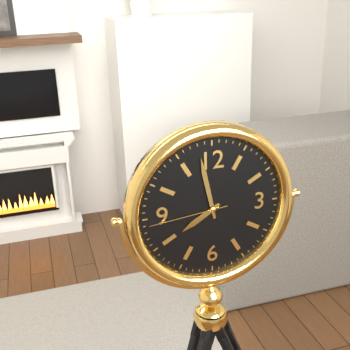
{"hour": 7, "minute": 58, "second": 44}
